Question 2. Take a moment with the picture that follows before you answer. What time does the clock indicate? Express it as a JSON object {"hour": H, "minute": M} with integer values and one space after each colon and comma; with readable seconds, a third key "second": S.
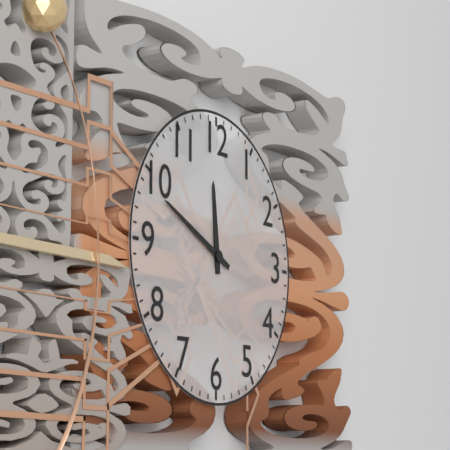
{"hour": 11, "minute": 49}
